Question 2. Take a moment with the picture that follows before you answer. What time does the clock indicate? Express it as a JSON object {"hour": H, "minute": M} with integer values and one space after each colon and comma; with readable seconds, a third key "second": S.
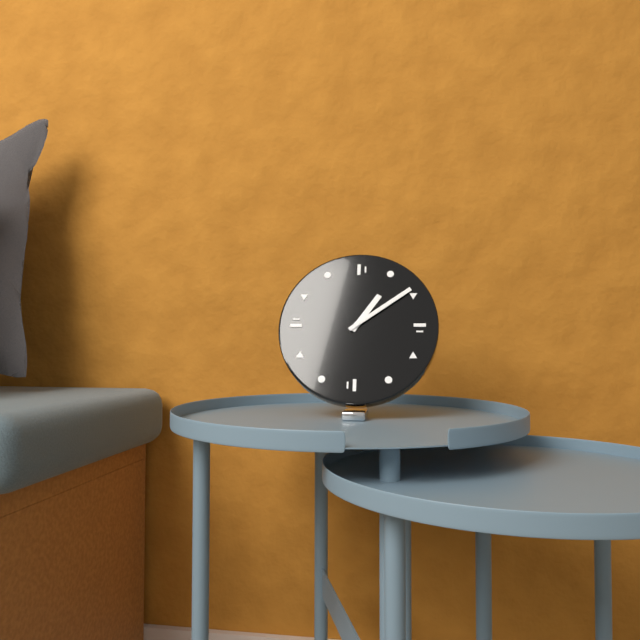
{"hour": 1, "minute": 9}
